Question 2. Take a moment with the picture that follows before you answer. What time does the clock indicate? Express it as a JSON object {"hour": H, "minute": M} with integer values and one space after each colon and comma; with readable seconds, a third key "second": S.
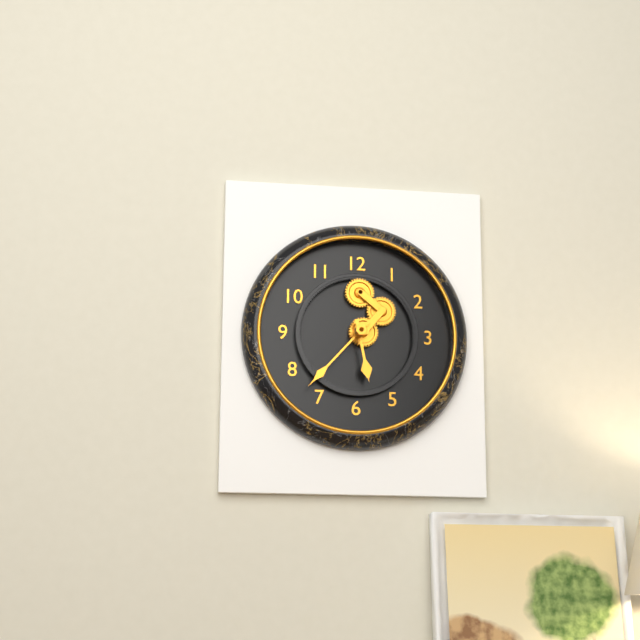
{"hour": 5, "minute": 37}
